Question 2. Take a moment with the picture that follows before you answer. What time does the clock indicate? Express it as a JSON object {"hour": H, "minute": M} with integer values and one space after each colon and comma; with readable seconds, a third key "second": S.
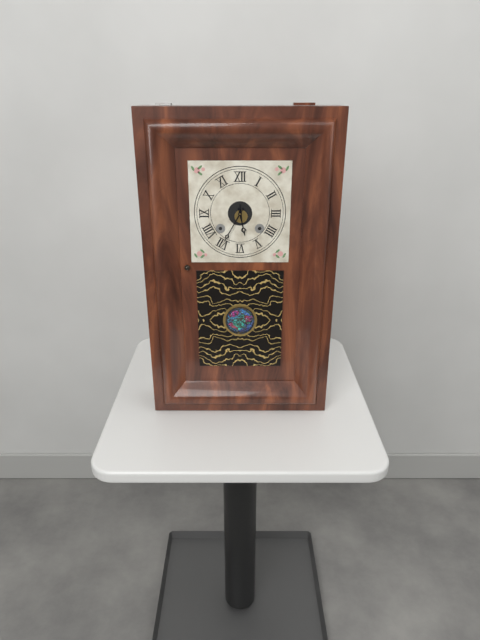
{"hour": 5, "minute": 35}
